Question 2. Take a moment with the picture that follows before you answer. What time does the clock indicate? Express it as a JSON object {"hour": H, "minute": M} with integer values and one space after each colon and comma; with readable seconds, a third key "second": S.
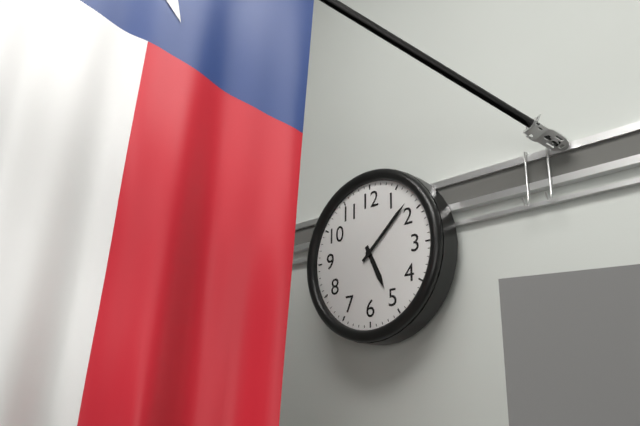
{"hour": 5, "minute": 8}
